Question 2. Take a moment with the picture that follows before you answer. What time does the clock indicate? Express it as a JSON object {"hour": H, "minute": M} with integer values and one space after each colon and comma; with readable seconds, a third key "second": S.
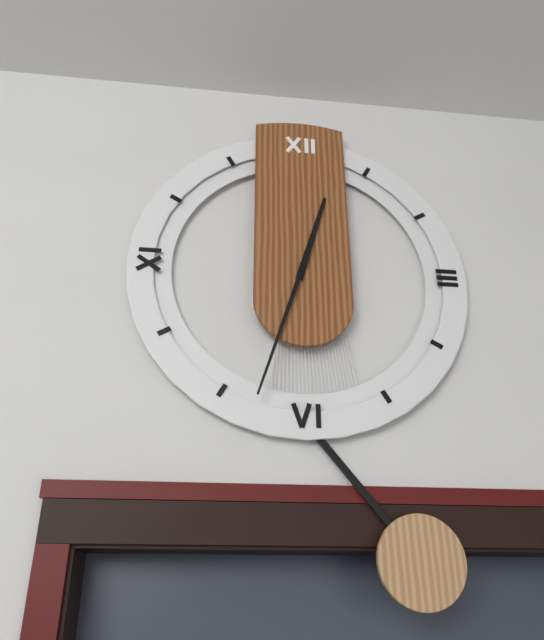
{"hour": 12, "minute": 33}
